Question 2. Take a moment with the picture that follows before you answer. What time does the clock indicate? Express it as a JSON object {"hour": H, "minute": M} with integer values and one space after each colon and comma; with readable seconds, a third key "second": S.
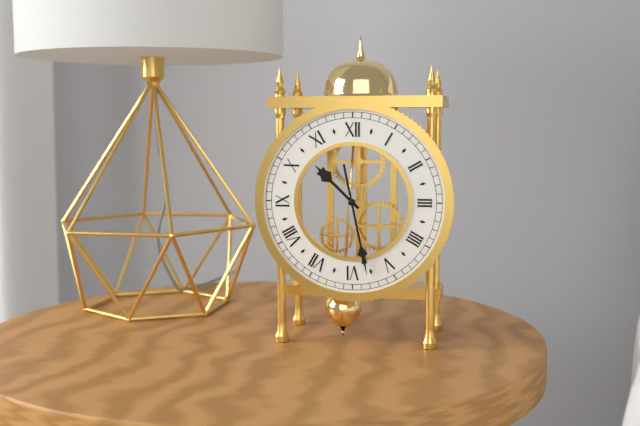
{"hour": 10, "minute": 28}
